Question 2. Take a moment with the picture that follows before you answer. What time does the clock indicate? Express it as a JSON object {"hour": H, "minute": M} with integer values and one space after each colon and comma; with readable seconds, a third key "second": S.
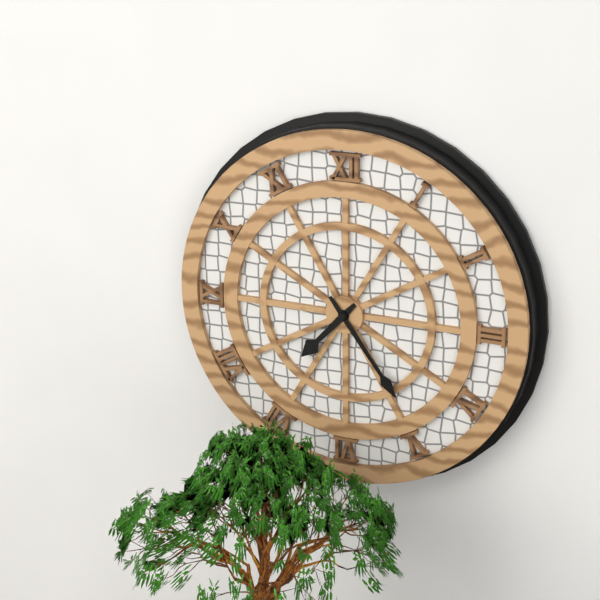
{"hour": 7, "minute": 24}
